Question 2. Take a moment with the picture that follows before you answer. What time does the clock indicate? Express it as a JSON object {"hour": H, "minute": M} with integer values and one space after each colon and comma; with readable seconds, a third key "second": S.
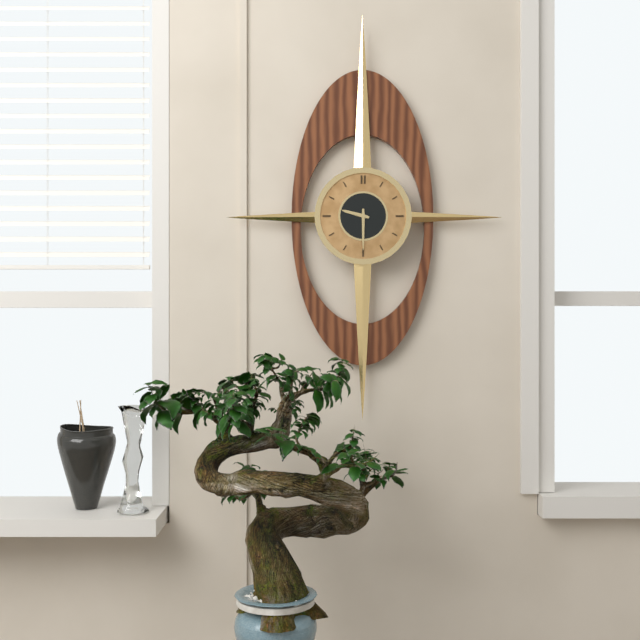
{"hour": 9, "minute": 30}
